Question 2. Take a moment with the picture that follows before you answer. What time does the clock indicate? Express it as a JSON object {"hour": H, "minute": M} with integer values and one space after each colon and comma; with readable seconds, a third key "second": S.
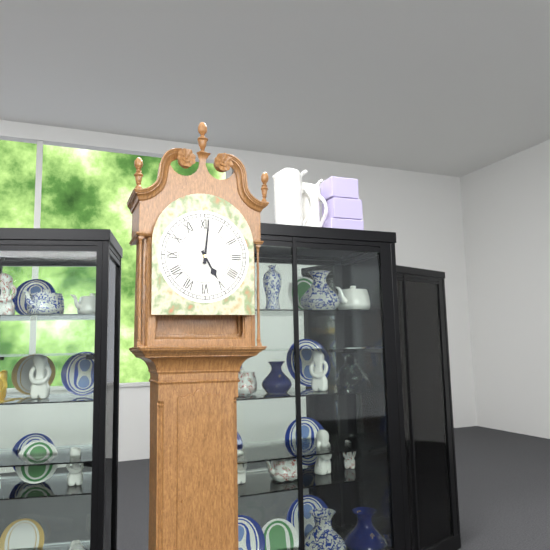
{"hour": 5, "minute": 1}
